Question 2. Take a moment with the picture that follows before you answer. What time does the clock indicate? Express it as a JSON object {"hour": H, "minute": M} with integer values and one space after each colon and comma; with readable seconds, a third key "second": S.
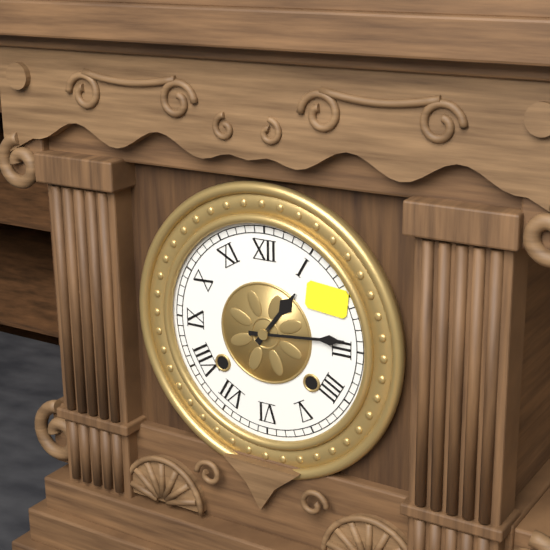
{"hour": 1, "minute": 14}
